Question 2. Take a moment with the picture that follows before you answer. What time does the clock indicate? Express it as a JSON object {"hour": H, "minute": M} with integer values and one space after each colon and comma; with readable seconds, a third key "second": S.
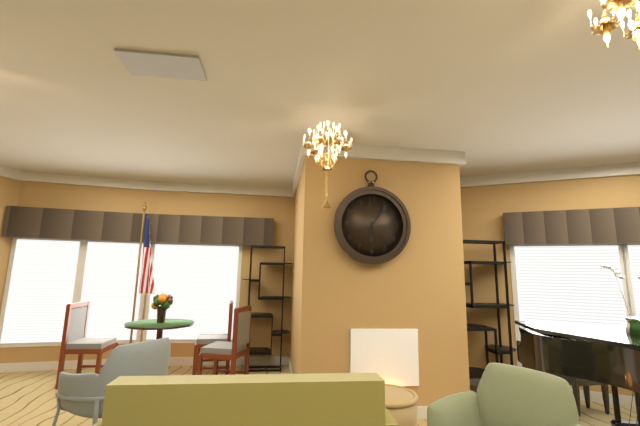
{"hour": 6, "minute": 6}
